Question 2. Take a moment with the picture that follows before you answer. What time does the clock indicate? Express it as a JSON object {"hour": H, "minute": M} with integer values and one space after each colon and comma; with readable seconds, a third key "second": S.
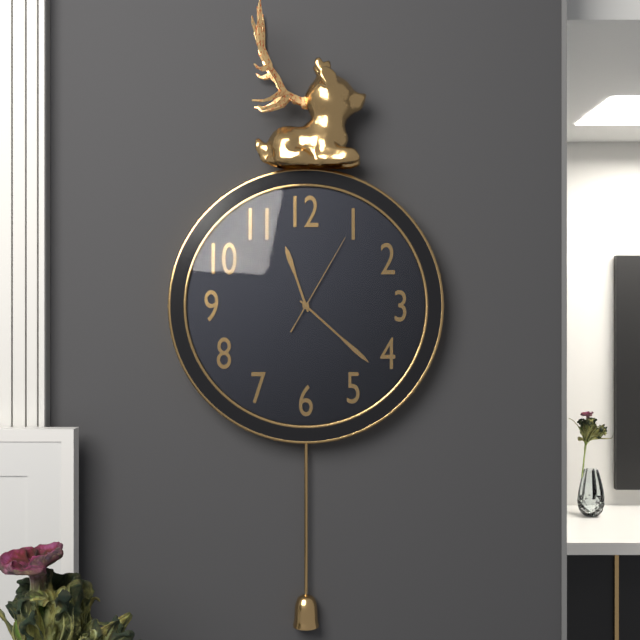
{"hour": 11, "minute": 22, "second": 5}
